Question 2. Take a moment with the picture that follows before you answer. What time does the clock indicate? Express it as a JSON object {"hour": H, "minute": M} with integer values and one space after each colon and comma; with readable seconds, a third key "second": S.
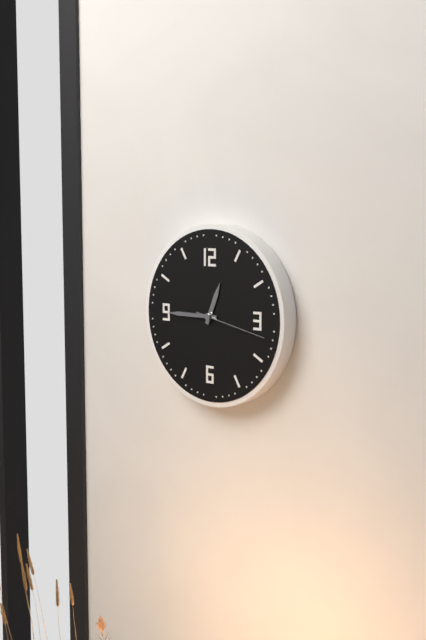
{"hour": 12, "minute": 45, "second": 17}
